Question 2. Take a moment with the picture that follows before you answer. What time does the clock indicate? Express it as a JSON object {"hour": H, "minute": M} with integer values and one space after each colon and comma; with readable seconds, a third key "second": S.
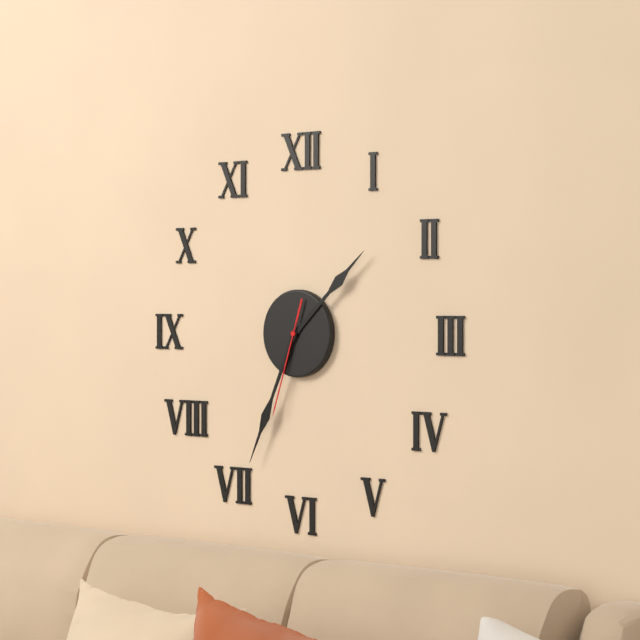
{"hour": 1, "minute": 34, "second": 33}
